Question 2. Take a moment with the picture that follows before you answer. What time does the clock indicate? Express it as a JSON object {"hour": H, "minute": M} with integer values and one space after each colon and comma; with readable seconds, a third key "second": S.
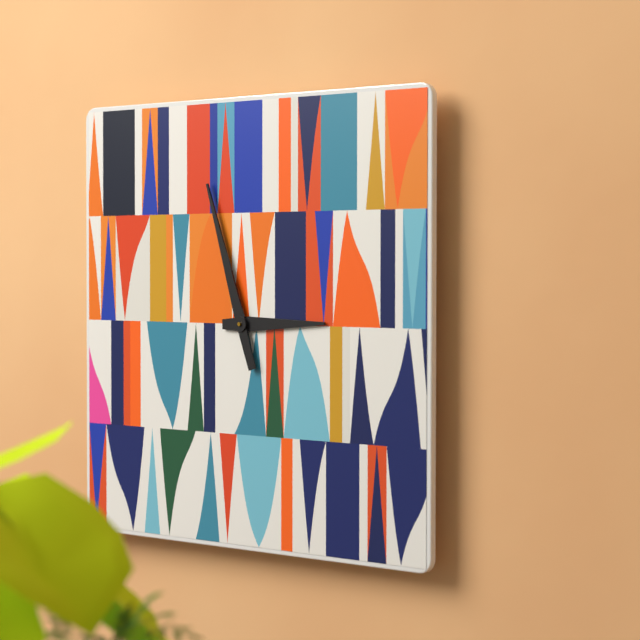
{"hour": 2, "minute": 57}
